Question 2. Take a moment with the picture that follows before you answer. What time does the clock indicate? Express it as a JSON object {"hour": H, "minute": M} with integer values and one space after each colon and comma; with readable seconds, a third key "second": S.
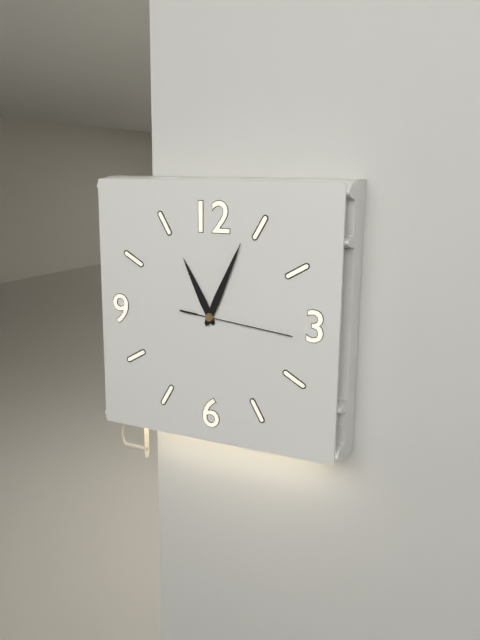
{"hour": 11, "minute": 4, "second": 16}
